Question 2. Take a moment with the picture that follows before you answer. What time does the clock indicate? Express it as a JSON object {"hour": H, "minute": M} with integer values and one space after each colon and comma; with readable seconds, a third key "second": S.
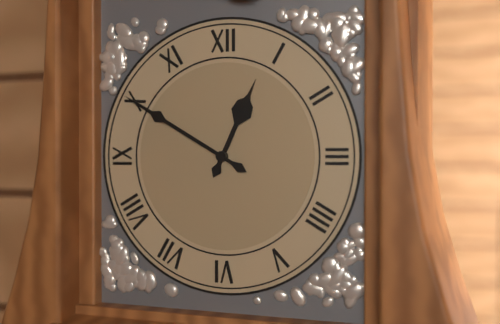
{"hour": 12, "minute": 50}
